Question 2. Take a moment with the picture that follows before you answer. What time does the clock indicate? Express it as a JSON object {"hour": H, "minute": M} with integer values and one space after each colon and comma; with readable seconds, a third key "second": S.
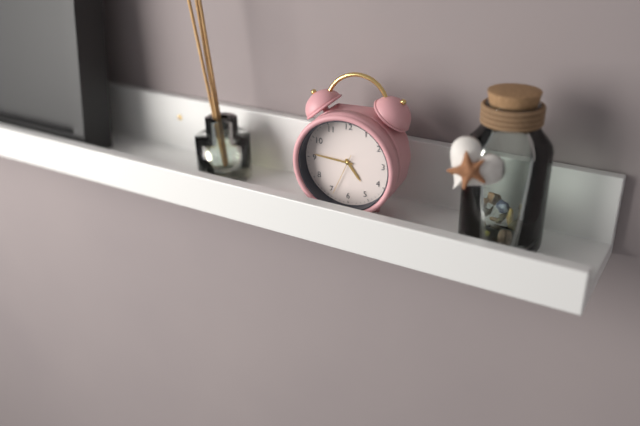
{"hour": 4, "minute": 46}
